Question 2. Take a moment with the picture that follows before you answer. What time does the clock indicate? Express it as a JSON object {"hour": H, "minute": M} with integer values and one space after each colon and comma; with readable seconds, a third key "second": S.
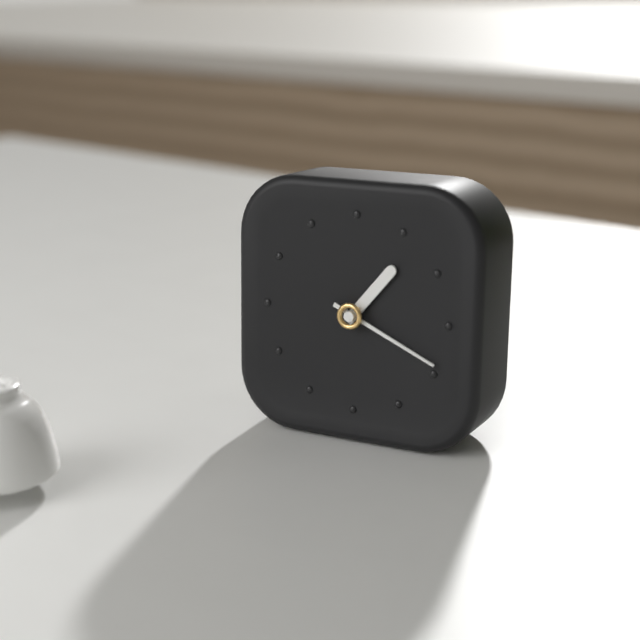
{"hour": 1, "minute": 19}
